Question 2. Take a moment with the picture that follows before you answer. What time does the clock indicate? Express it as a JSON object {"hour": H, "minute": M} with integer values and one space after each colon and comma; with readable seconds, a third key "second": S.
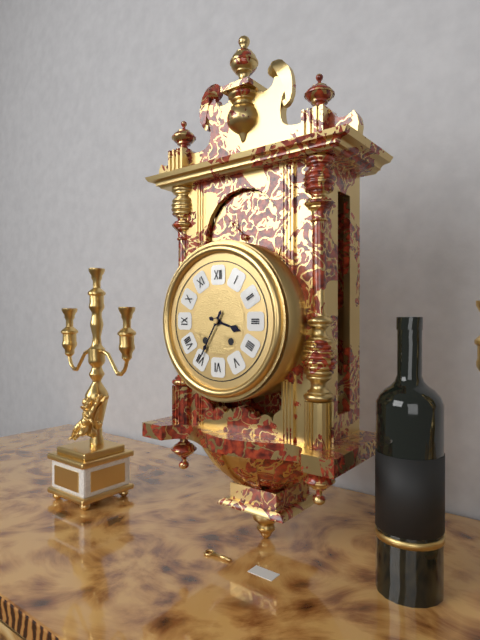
{"hour": 3, "minute": 35}
